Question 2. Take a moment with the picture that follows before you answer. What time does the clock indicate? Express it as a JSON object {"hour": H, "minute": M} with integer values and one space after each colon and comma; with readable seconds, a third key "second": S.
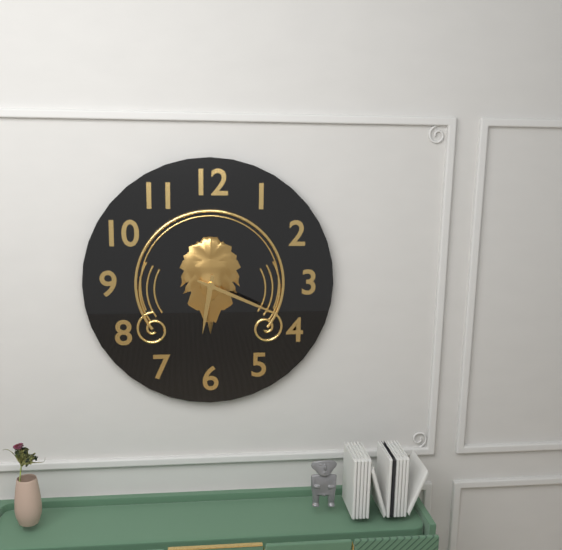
{"hour": 6, "minute": 19}
